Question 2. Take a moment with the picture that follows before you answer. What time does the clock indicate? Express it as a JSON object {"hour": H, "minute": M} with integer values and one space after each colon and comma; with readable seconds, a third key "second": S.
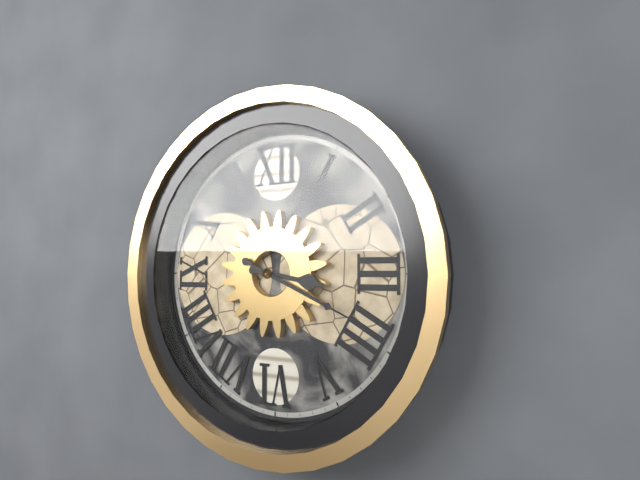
{"hour": 3, "minute": 19}
